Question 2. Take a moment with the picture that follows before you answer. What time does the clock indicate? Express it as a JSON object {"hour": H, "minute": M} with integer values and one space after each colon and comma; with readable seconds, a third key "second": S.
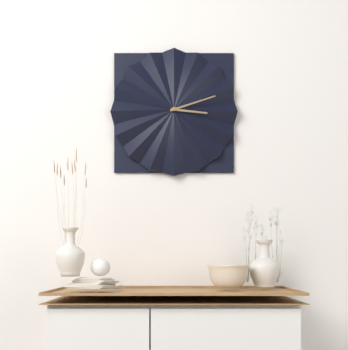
{"hour": 3, "minute": 12}
